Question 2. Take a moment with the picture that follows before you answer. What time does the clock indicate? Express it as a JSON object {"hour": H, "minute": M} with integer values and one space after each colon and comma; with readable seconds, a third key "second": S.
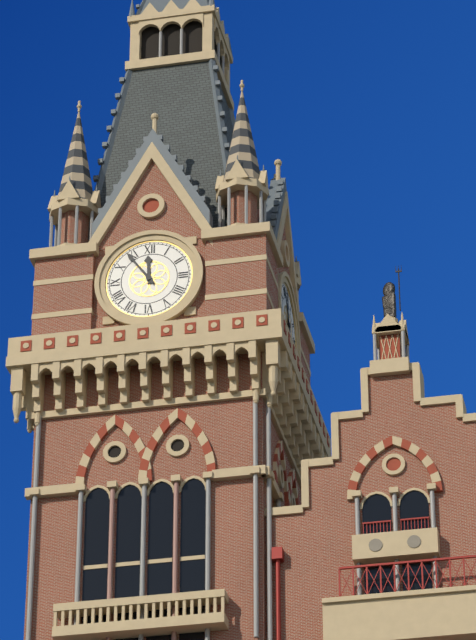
{"hour": 11, "minute": 54}
